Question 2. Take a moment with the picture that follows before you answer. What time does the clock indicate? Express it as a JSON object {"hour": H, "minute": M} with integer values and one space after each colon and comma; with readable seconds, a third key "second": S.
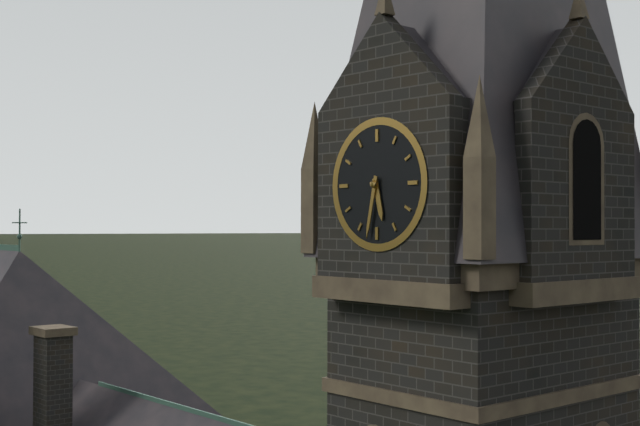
{"hour": 5, "minute": 32}
